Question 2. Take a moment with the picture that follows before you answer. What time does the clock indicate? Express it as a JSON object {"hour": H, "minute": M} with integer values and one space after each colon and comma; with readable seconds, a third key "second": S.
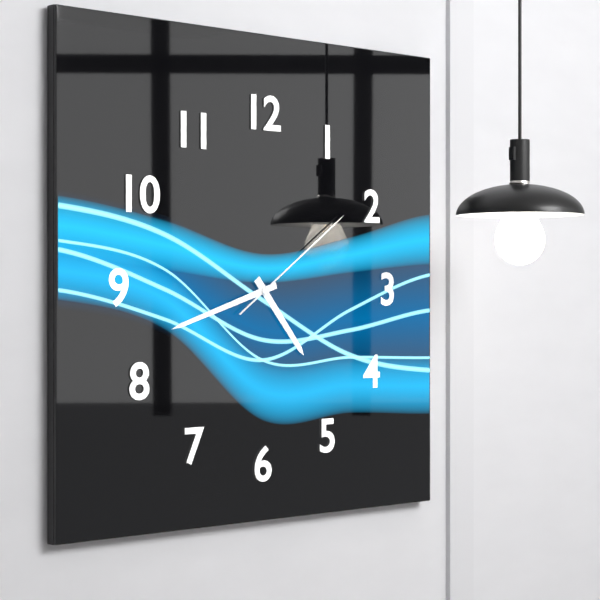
{"hour": 4, "minute": 42, "second": 9}
